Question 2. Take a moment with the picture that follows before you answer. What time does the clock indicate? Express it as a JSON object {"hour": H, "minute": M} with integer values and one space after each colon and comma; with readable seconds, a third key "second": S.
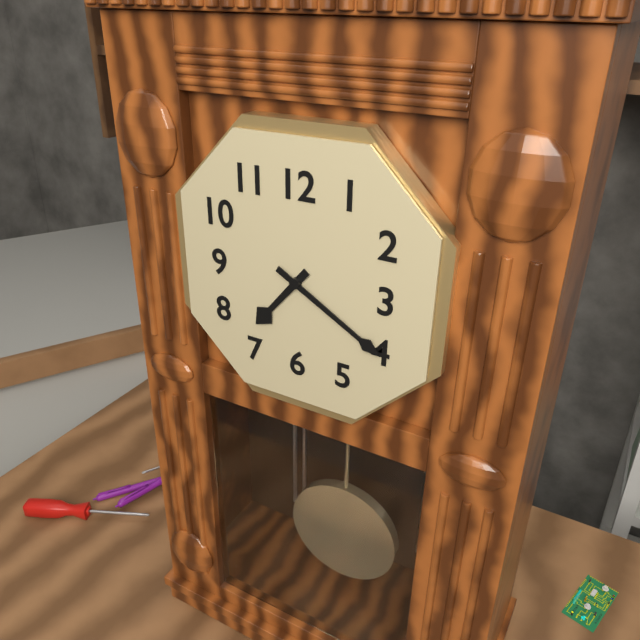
{"hour": 7, "minute": 20}
